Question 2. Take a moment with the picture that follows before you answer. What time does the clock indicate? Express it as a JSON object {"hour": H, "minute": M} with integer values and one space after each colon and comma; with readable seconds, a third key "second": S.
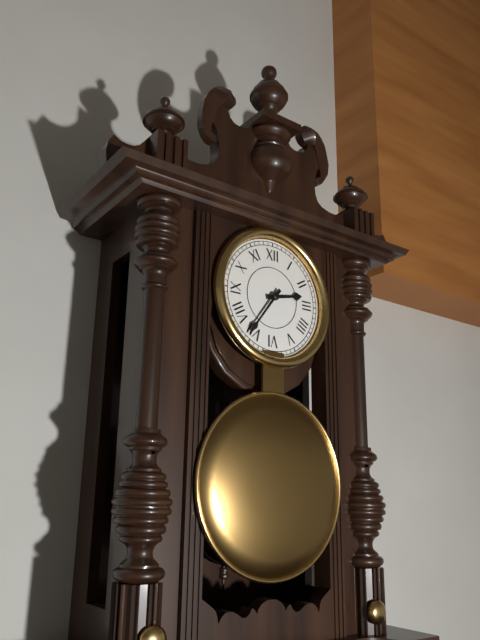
{"hour": 2, "minute": 36}
